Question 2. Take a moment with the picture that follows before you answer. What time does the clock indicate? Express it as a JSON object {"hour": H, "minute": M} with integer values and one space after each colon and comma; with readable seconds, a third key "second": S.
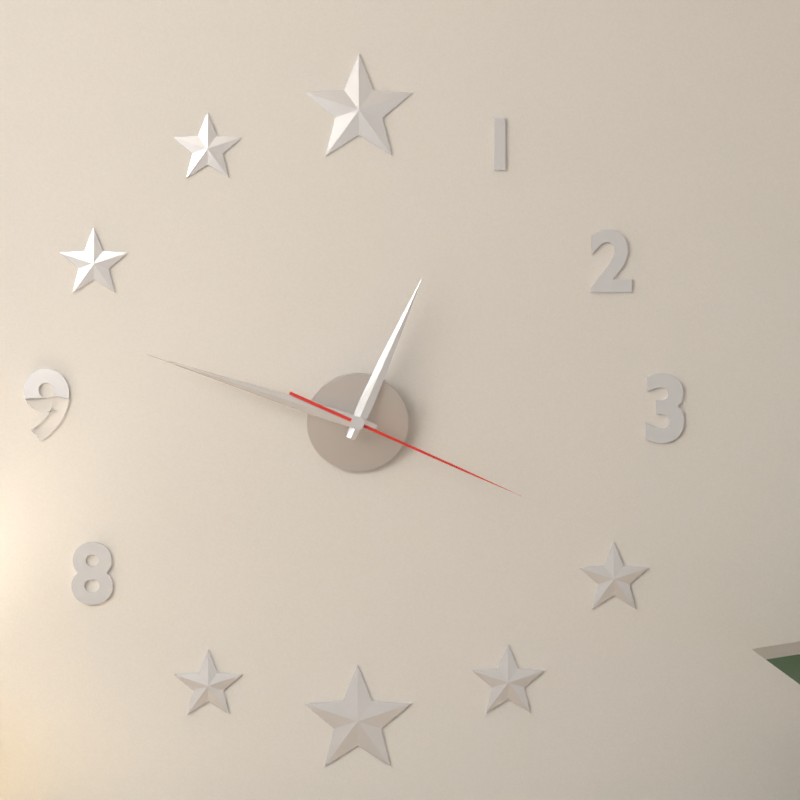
{"hour": 12, "minute": 48, "second": 19}
